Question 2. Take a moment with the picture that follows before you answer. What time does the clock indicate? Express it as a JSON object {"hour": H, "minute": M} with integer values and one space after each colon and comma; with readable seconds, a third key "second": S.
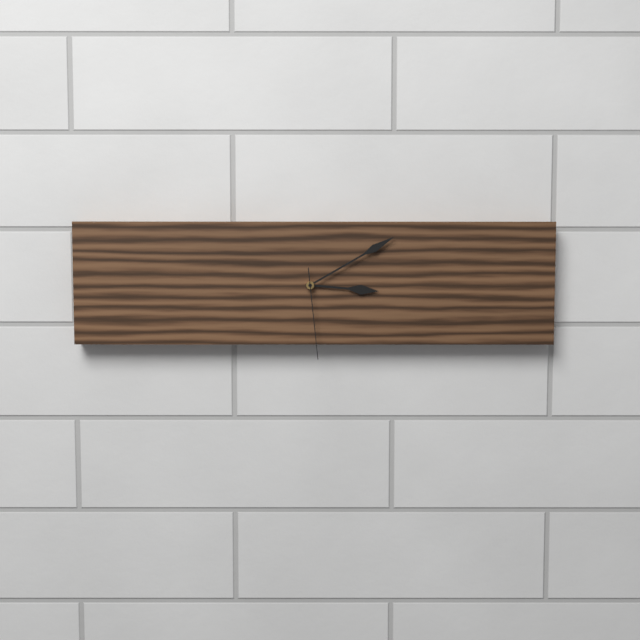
{"hour": 3, "minute": 10, "second": 29}
